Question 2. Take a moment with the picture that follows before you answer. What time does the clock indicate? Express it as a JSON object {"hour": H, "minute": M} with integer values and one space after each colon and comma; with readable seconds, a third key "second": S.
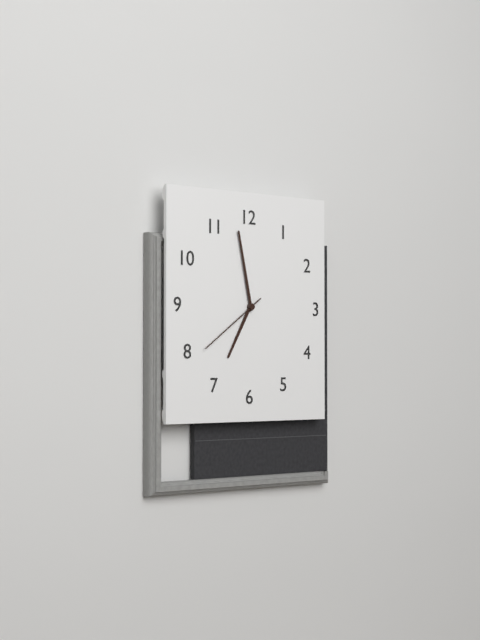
{"hour": 6, "minute": 58, "second": 39}
